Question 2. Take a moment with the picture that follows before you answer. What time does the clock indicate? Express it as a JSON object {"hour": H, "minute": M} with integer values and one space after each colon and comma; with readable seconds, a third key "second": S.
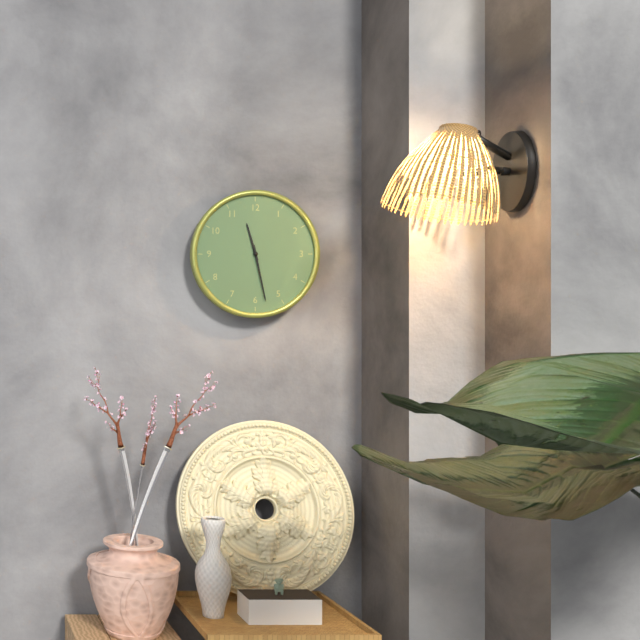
{"hour": 11, "minute": 28}
